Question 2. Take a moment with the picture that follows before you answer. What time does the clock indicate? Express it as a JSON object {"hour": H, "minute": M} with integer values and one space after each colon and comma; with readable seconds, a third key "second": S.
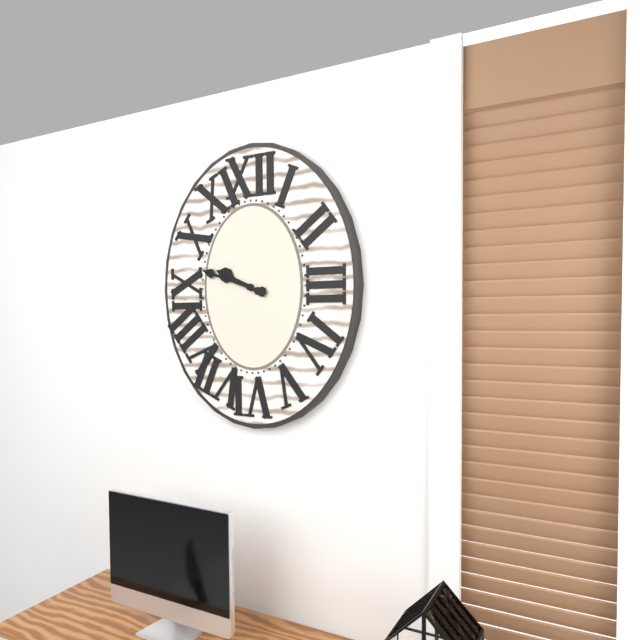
{"hour": 9, "minute": 48}
